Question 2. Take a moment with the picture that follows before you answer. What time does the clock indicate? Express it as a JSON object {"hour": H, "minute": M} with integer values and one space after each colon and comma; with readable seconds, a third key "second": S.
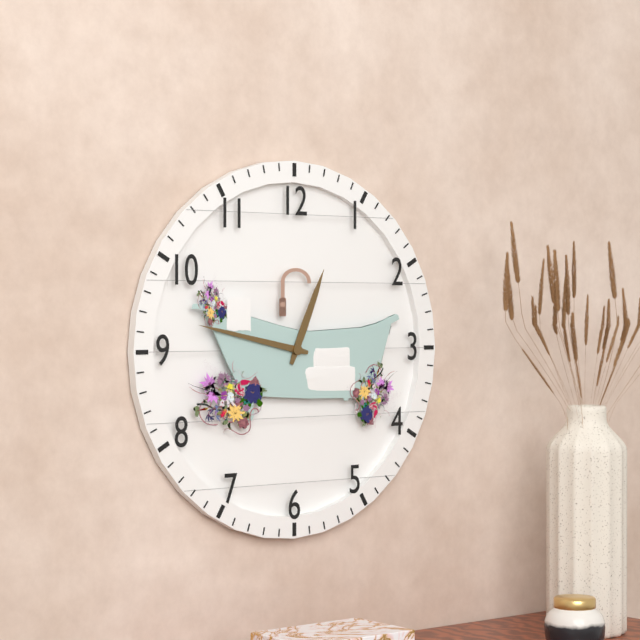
{"hour": 12, "minute": 47}
